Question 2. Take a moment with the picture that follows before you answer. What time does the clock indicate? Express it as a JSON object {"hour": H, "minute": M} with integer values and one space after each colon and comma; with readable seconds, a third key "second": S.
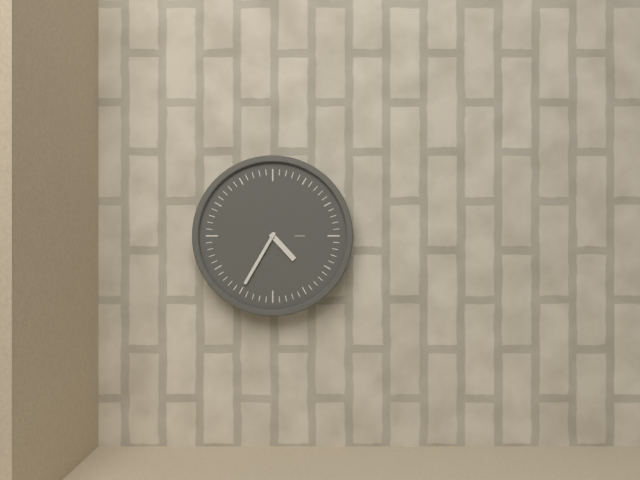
{"hour": 4, "minute": 35}
